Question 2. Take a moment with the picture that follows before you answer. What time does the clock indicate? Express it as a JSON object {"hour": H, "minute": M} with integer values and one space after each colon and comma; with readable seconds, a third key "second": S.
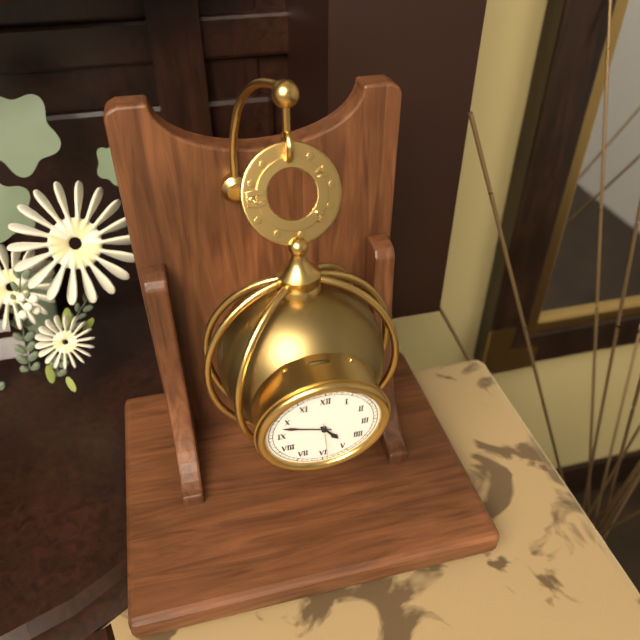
{"hour": 4, "minute": 48}
